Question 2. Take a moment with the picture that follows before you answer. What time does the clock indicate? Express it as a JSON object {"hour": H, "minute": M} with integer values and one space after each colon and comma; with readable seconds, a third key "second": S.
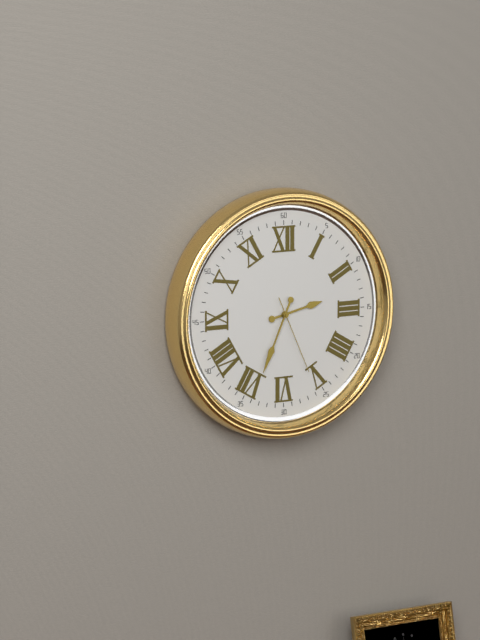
{"hour": 2, "minute": 34, "second": 26}
